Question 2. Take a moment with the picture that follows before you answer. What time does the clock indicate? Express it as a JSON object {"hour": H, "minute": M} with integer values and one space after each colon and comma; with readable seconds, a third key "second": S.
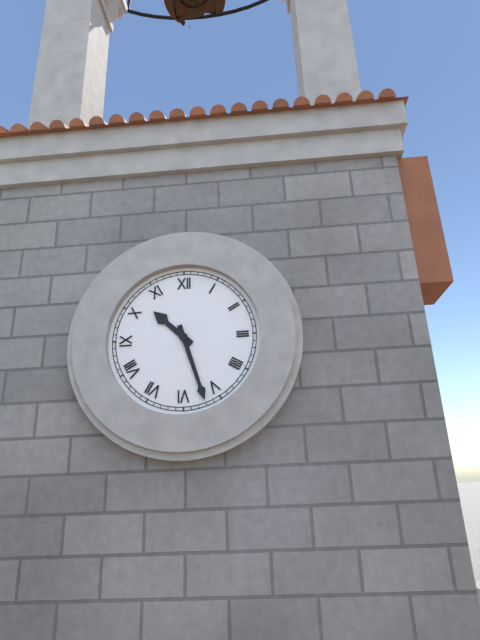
{"hour": 10, "minute": 27}
